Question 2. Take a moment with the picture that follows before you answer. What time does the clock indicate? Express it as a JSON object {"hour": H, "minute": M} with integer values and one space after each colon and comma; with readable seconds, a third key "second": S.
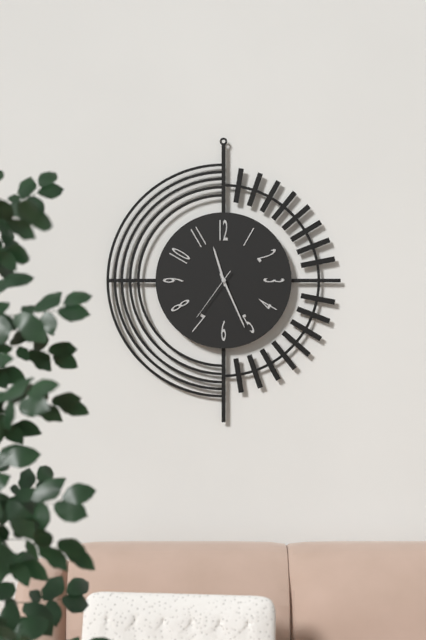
{"hour": 11, "minute": 26, "second": 36}
